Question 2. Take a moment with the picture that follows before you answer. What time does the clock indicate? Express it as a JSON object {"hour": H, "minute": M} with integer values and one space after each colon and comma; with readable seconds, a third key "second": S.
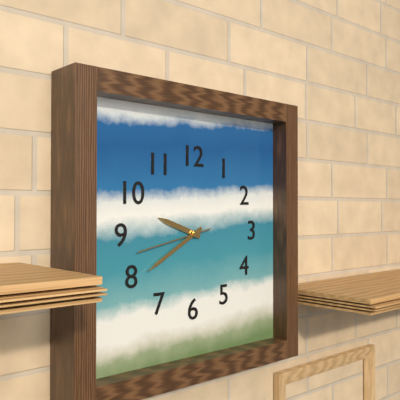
{"hour": 9, "minute": 40, "second": 43}
